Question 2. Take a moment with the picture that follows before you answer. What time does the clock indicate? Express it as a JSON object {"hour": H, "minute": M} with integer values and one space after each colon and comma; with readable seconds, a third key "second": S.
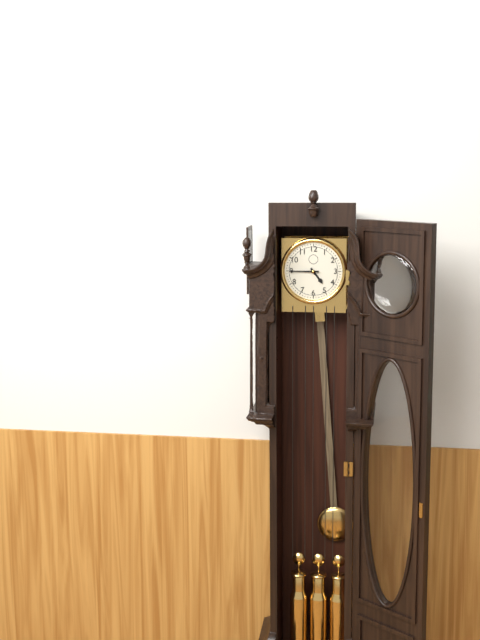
{"hour": 4, "minute": 45}
